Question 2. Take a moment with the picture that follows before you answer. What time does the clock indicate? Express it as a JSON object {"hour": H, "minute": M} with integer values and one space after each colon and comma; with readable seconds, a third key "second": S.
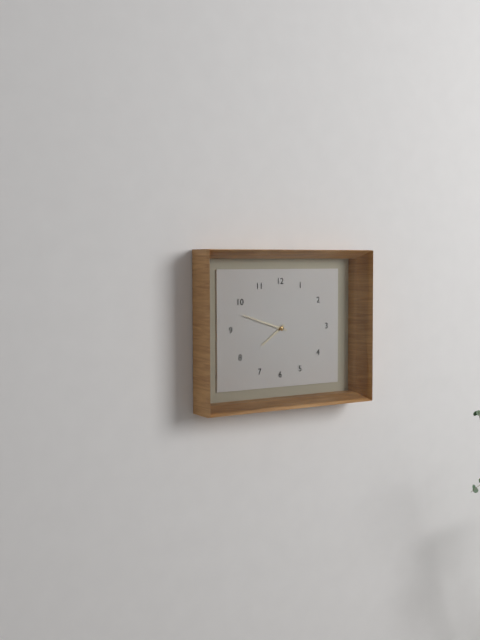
{"hour": 7, "minute": 48}
